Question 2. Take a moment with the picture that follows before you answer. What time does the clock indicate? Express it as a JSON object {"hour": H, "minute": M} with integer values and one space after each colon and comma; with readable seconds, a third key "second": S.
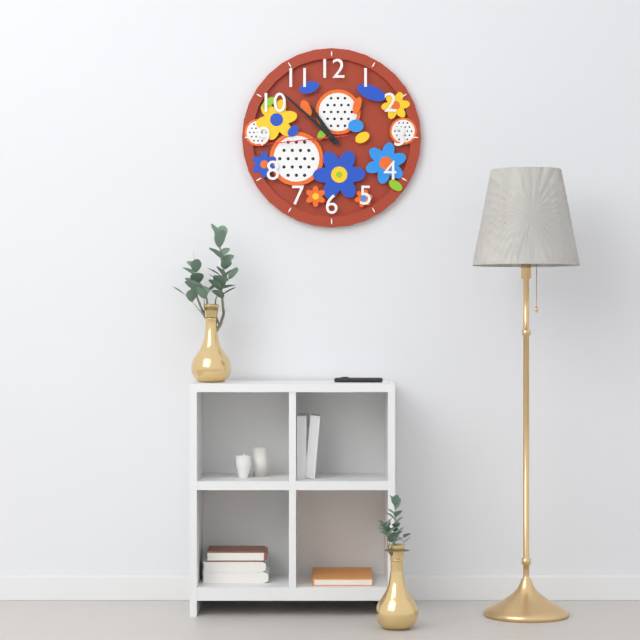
{"hour": 10, "minute": 52, "second": 44}
